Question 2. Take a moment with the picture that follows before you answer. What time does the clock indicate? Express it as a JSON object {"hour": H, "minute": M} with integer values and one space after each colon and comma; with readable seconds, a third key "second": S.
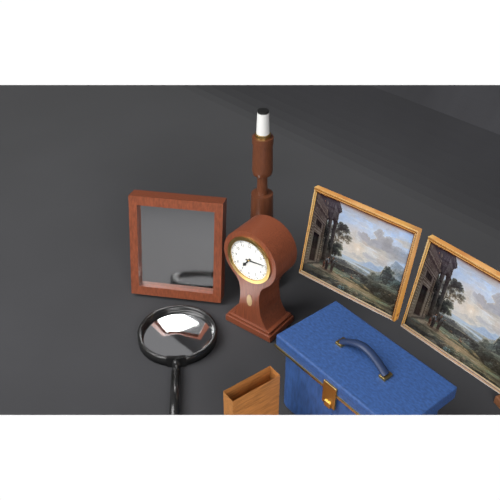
{"hour": 7, "minute": 14}
